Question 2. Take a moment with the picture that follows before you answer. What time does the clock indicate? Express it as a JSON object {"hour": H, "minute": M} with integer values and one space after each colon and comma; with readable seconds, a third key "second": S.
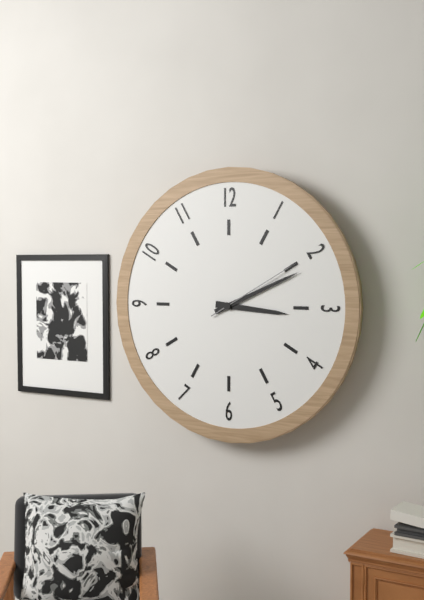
{"hour": 3, "minute": 11, "second": 10}
